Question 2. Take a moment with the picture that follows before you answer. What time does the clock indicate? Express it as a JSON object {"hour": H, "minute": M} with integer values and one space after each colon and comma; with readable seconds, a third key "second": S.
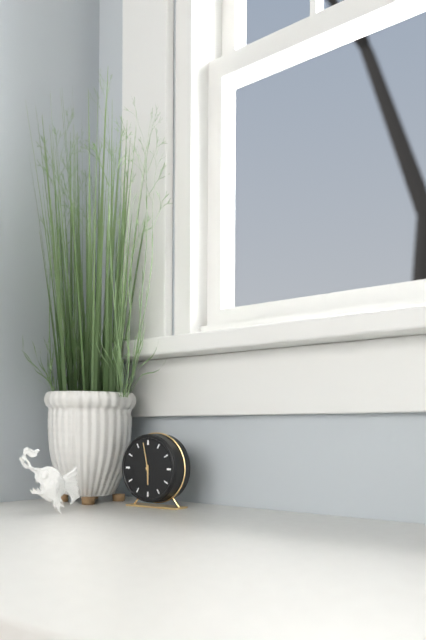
{"hour": 5, "minute": 58}
